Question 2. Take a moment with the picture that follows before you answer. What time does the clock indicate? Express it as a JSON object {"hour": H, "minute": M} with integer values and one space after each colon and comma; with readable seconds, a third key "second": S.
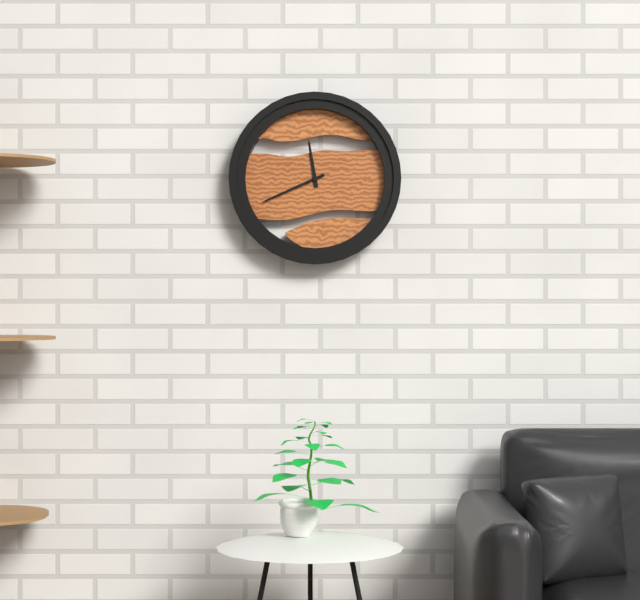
{"hour": 11, "minute": 41}
